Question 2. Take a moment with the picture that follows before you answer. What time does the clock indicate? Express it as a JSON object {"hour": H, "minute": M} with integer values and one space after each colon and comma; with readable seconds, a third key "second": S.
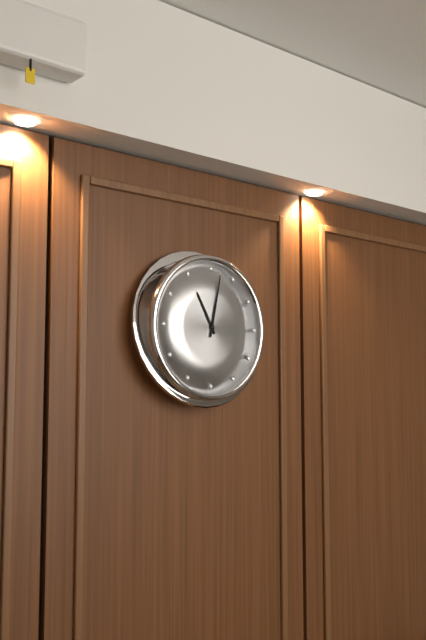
{"hour": 11, "minute": 2}
